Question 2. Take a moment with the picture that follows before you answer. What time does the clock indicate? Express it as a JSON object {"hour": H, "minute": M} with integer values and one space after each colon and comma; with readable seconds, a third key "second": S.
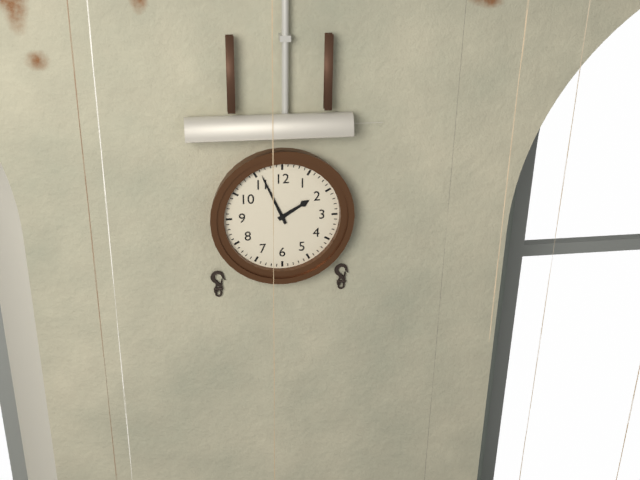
{"hour": 1, "minute": 56}
